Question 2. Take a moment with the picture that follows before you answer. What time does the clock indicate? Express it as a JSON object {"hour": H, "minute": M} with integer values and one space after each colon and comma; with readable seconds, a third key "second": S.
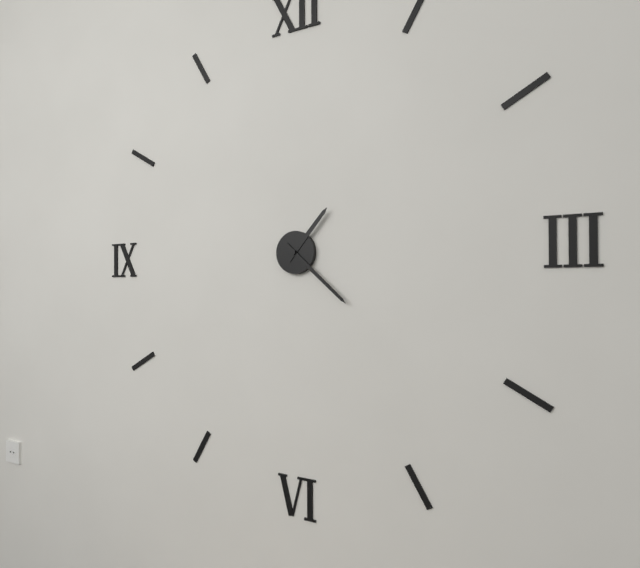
{"hour": 1, "minute": 22}
